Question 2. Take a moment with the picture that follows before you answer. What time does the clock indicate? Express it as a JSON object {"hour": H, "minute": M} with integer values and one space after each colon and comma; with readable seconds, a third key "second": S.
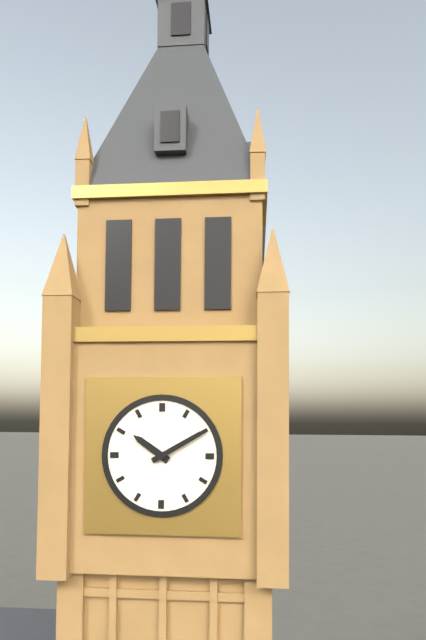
{"hour": 10, "minute": 10}
